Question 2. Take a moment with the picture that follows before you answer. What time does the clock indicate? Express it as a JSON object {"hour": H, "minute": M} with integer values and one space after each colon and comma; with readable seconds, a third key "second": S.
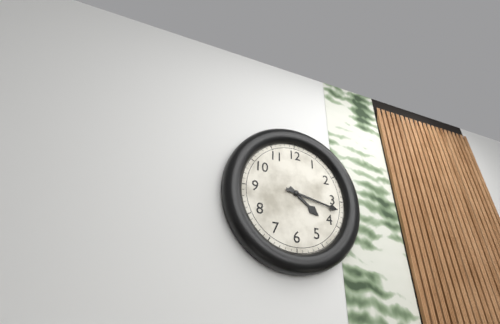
{"hour": 4, "minute": 17}
